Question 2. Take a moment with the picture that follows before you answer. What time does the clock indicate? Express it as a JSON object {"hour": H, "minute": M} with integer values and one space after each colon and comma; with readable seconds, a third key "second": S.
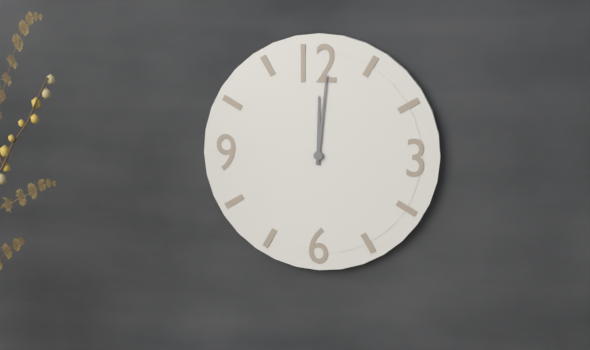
{"hour": 12, "minute": 1}
